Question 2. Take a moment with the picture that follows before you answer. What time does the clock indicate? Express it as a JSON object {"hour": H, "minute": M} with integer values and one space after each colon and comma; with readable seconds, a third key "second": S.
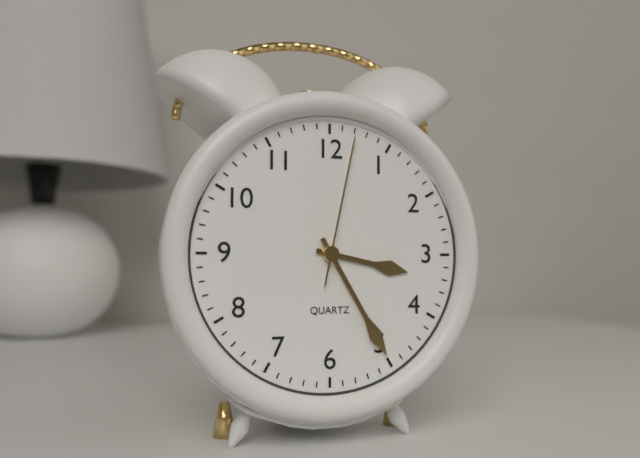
{"hour": 3, "minute": 25, "second": 2}
